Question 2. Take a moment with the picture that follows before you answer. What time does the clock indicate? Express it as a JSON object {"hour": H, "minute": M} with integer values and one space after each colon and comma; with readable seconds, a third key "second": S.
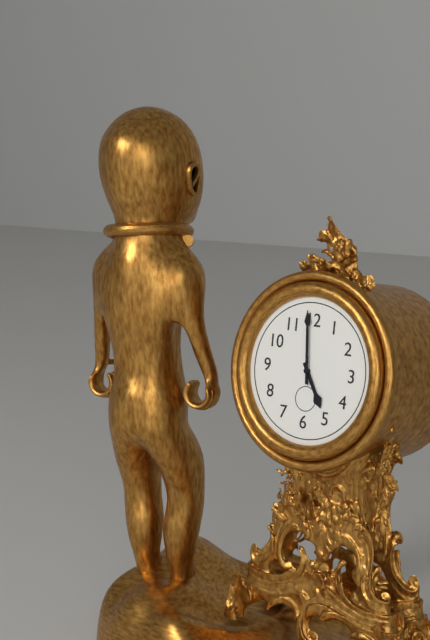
{"hour": 4, "minute": 59}
